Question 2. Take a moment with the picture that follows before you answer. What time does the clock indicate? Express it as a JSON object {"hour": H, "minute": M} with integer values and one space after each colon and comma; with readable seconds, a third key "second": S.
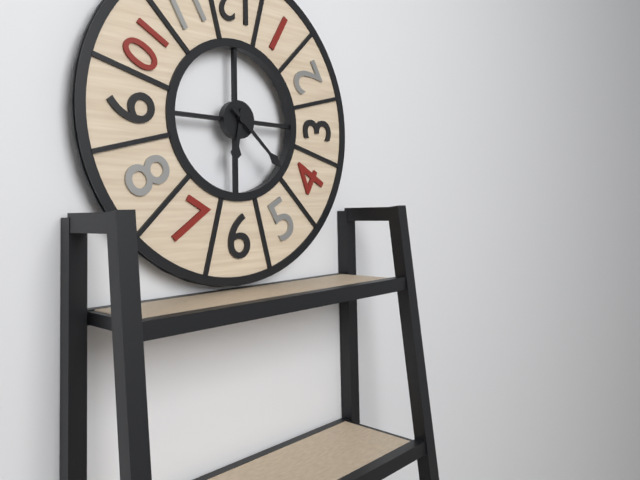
{"hour": 6, "minute": 22}
